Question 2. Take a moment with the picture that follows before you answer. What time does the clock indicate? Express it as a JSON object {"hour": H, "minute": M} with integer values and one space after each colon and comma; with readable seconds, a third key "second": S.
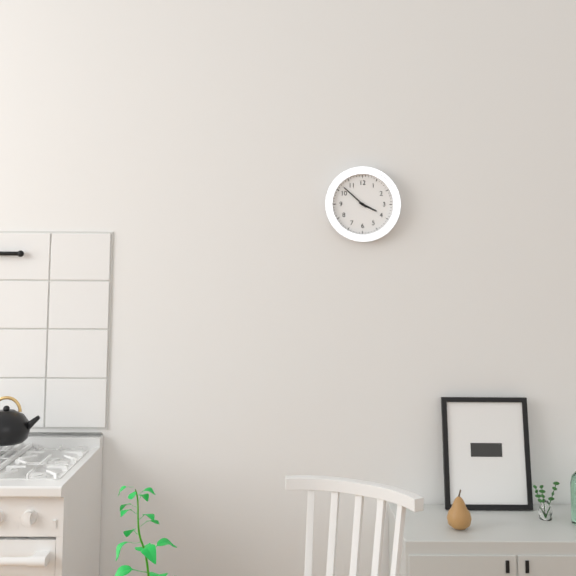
{"hour": 3, "minute": 52}
